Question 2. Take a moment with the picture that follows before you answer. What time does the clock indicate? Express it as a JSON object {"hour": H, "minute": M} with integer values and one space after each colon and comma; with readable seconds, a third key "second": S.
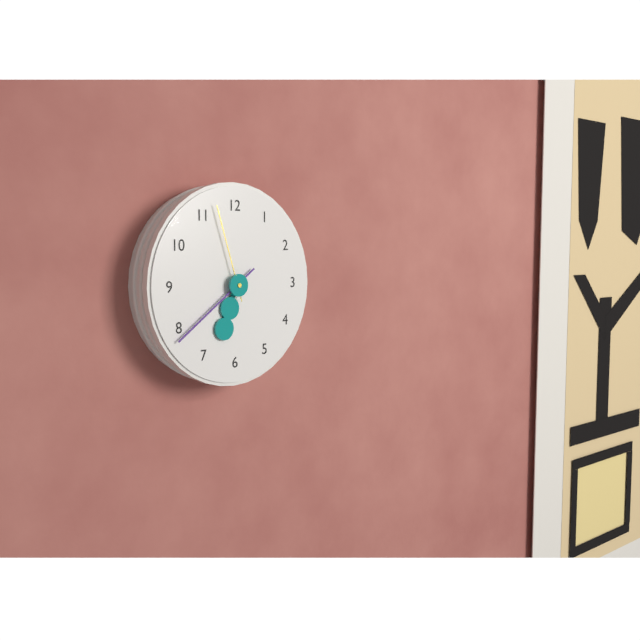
{"hour": 6, "minute": 39, "second": 57}
